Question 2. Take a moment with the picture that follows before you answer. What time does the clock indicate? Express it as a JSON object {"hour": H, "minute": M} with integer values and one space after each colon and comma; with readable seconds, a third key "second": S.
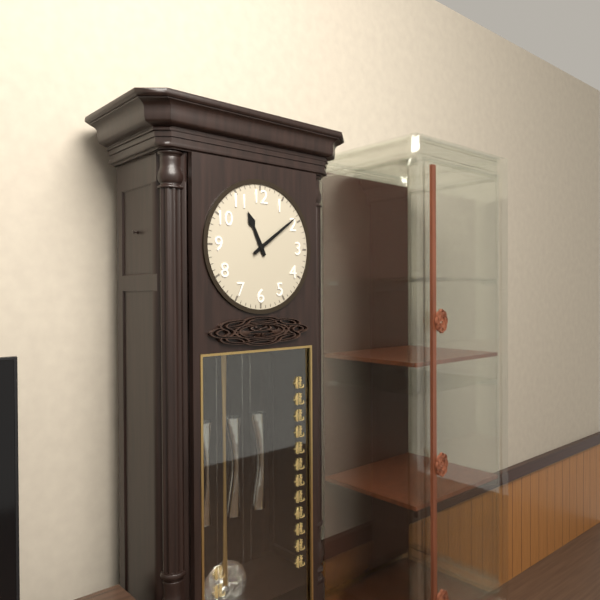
{"hour": 11, "minute": 9}
